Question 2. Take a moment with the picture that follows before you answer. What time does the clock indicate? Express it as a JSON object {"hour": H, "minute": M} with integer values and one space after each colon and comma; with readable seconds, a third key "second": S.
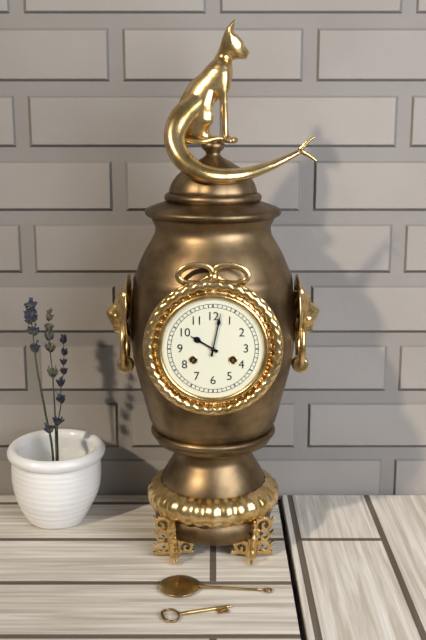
{"hour": 10, "minute": 2}
